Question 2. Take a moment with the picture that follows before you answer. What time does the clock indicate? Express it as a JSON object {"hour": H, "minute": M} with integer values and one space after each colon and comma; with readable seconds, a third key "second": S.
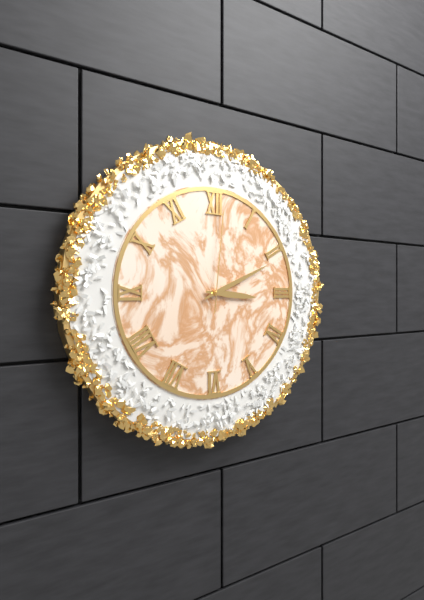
{"hour": 3, "minute": 11, "second": 1}
